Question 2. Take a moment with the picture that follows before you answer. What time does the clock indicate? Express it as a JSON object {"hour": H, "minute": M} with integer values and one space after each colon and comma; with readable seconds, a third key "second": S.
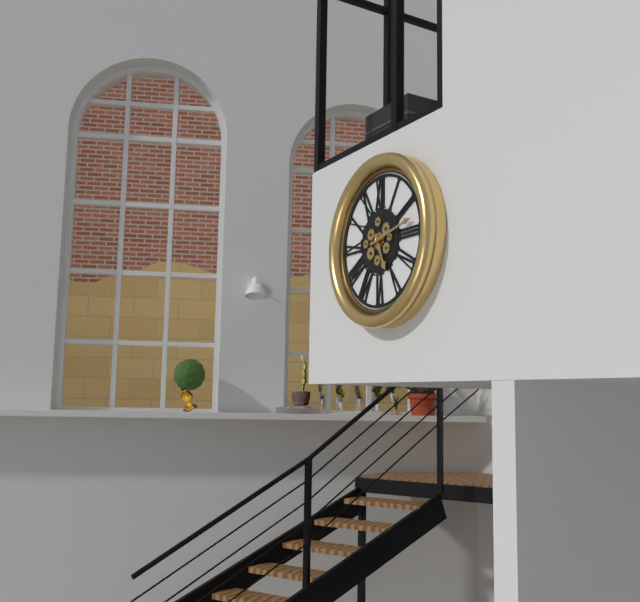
{"hour": 5, "minute": 13}
